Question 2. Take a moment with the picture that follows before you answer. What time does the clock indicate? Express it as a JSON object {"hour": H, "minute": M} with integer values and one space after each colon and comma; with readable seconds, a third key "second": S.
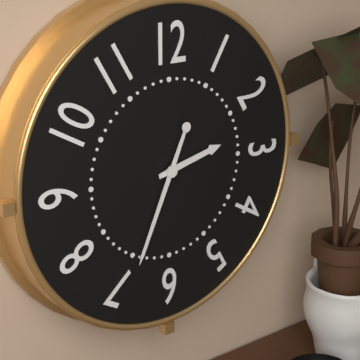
{"hour": 2, "minute": 34}
